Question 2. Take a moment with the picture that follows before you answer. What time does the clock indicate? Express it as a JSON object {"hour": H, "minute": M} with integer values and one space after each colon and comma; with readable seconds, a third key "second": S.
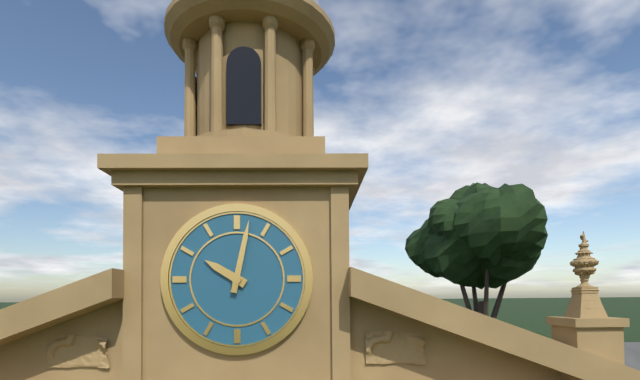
{"hour": 10, "minute": 2}
